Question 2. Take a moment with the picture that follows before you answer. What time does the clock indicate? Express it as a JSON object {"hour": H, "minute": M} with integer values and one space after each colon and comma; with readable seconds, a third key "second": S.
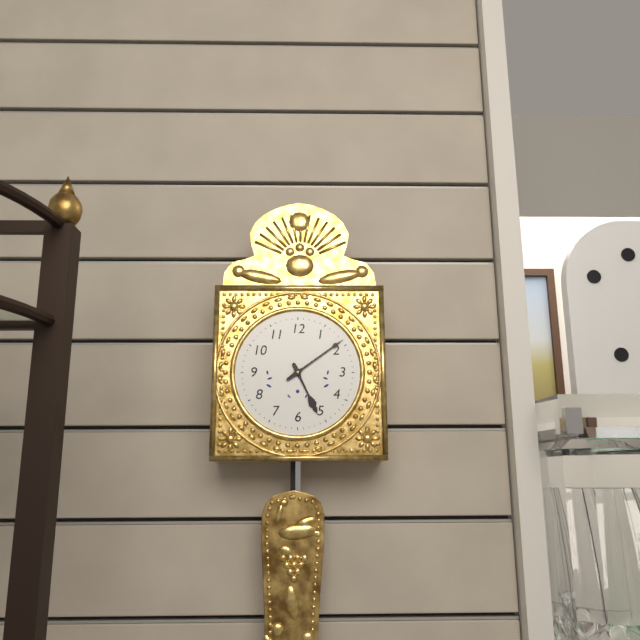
{"hour": 5, "minute": 9}
